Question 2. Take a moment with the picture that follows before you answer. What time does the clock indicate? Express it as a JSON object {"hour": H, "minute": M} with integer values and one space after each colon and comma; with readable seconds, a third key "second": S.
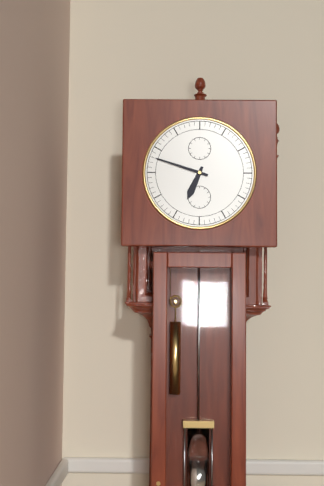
{"hour": 6, "minute": 48}
